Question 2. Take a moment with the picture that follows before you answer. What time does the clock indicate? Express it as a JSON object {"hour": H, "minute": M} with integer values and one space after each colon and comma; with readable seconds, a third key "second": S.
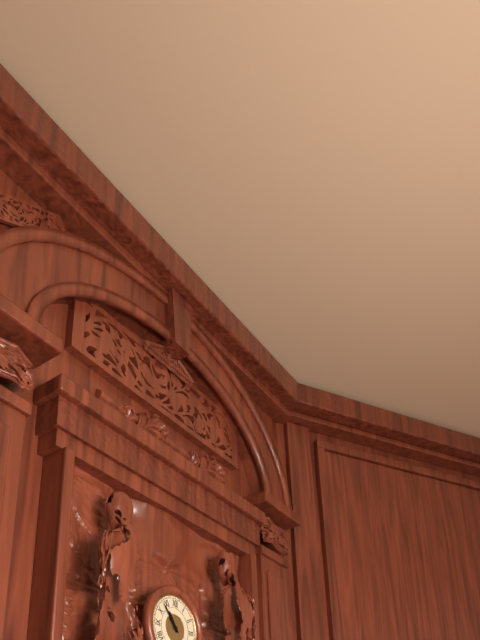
{"hour": 10, "minute": 53}
